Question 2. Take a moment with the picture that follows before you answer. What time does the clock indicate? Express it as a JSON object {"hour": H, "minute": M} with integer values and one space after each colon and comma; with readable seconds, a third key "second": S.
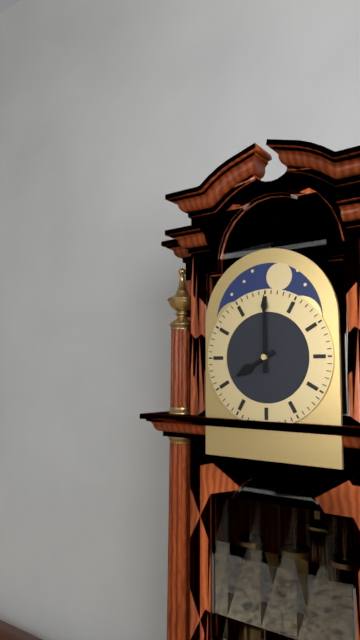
{"hour": 8, "minute": 0}
